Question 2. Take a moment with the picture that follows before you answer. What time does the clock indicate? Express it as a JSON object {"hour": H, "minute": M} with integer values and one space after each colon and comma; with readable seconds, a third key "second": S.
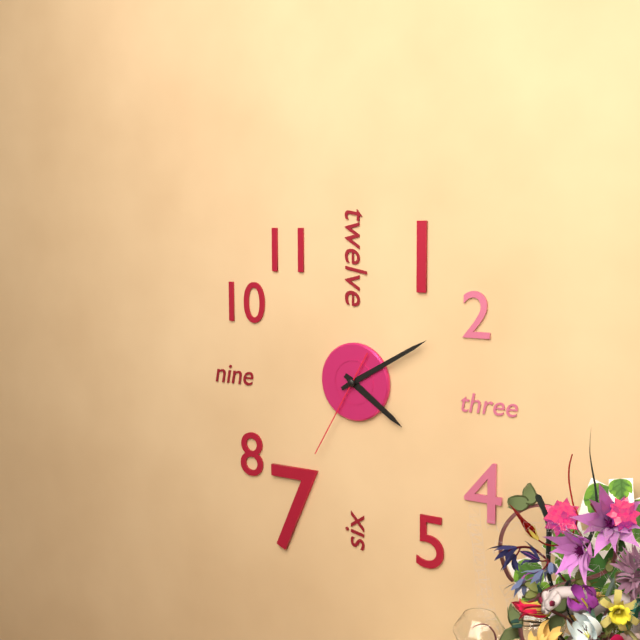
{"hour": 4, "minute": 10, "second": 35}
